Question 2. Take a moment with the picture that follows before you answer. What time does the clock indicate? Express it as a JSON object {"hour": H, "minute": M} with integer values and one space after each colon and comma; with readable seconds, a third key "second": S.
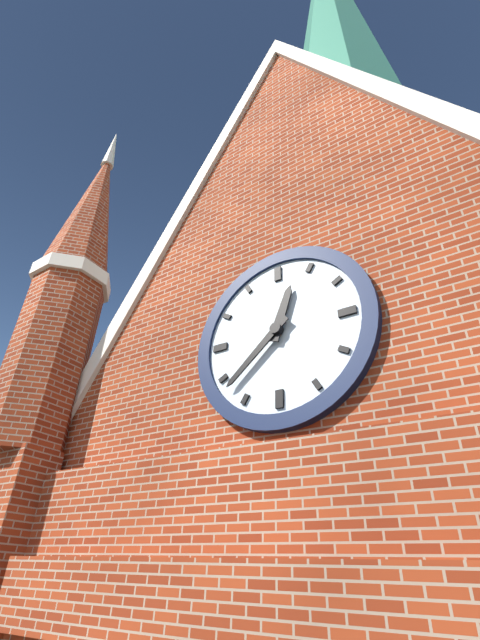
{"hour": 12, "minute": 38}
